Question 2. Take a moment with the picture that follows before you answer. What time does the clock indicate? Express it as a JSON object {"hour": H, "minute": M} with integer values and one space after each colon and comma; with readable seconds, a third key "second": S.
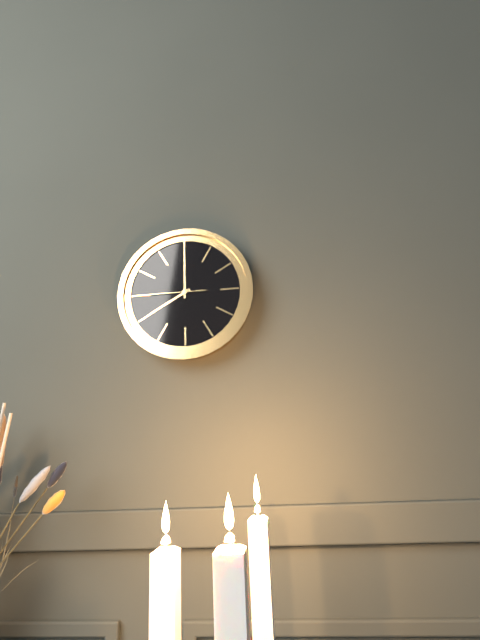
{"hour": 8, "minute": 0, "second": 45}
